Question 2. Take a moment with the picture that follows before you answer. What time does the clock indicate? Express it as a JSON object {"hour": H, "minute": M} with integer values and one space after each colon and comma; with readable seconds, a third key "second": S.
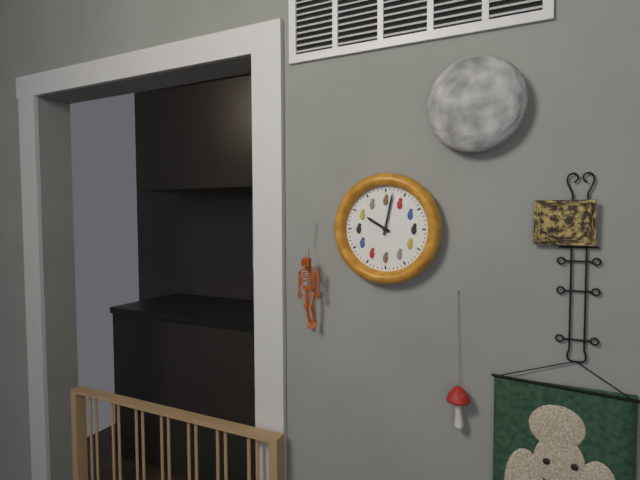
{"hour": 10, "minute": 2}
